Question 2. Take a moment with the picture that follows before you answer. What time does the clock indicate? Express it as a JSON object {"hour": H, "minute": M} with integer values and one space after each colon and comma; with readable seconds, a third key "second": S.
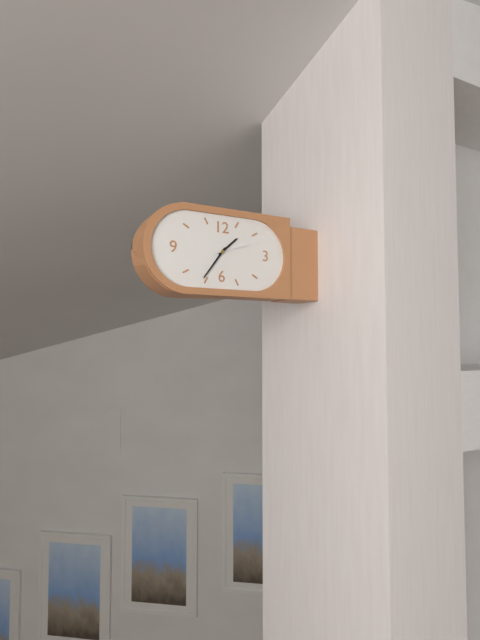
{"hour": 1, "minute": 36}
